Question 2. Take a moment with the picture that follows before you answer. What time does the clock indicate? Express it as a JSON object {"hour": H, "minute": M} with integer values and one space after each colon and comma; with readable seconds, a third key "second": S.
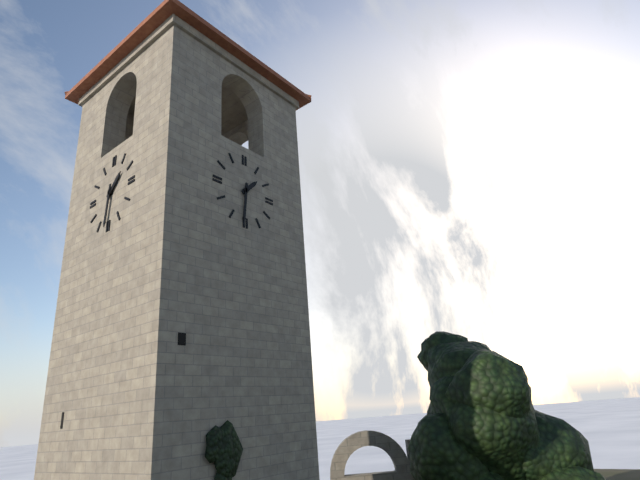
{"hour": 1, "minute": 31}
